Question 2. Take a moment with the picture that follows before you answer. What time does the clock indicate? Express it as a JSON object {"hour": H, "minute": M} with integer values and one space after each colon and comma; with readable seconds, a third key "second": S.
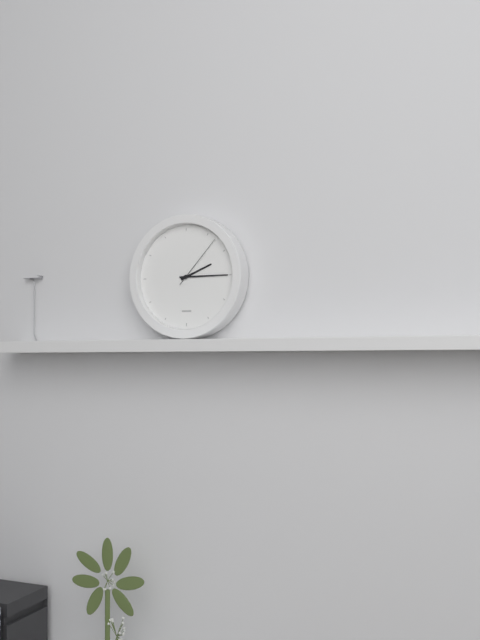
{"hour": 2, "minute": 15, "second": 7}
